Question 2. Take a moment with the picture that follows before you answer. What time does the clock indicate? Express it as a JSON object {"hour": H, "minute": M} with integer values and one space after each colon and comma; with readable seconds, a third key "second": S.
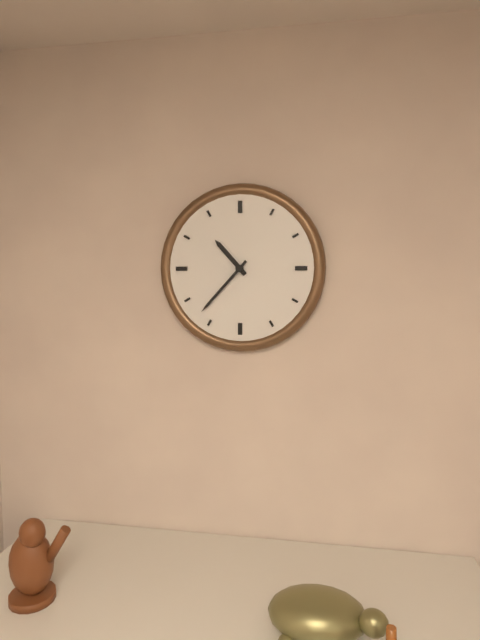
{"hour": 10, "minute": 37}
